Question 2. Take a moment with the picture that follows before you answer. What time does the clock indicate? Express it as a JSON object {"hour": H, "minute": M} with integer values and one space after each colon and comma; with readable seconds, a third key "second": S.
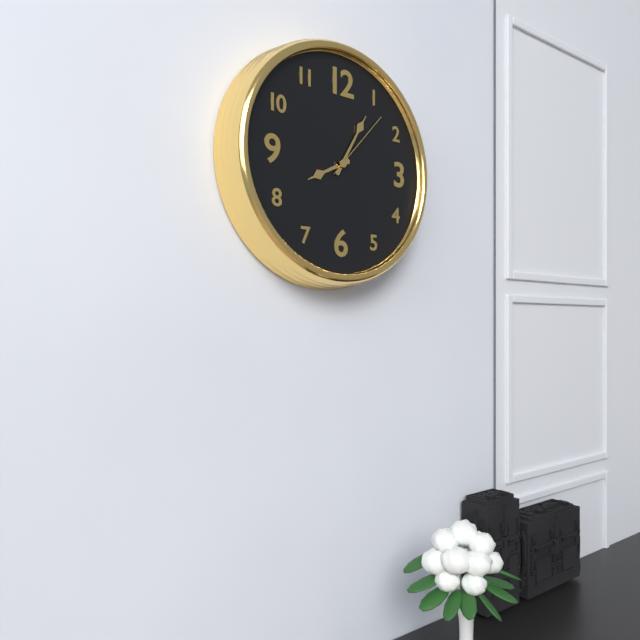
{"hour": 8, "minute": 5, "second": 7}
